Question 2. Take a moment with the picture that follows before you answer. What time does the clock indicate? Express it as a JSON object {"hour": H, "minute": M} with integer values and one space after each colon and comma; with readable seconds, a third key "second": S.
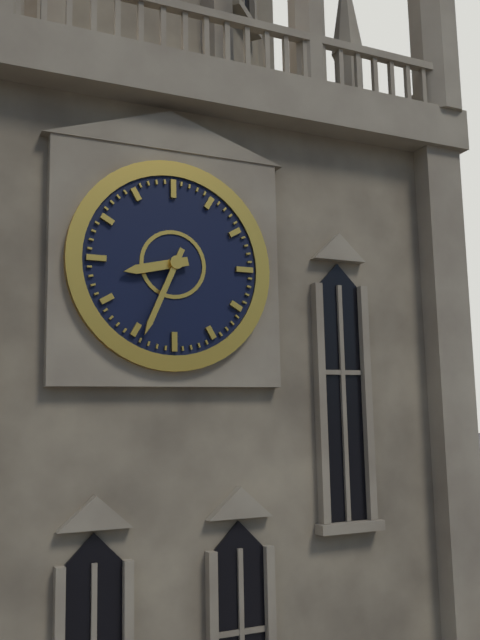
{"hour": 8, "minute": 34}
